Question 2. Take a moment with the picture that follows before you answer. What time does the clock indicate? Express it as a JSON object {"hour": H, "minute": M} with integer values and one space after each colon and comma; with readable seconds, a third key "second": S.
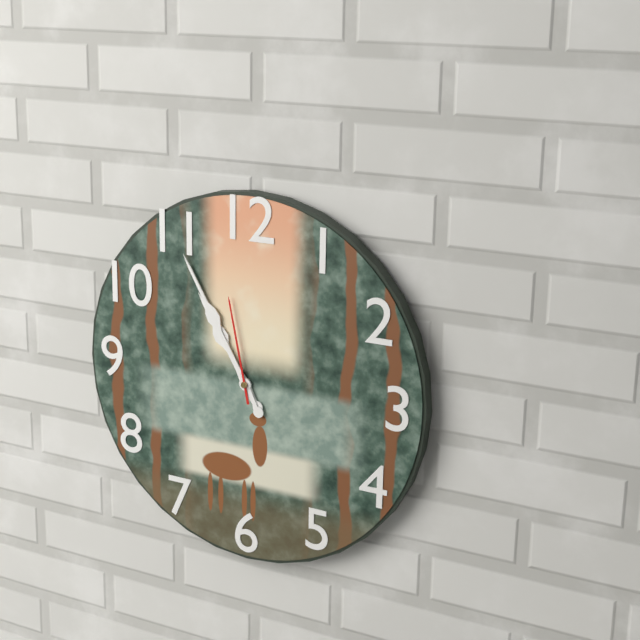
{"hour": 10, "minute": 55, "second": 58}
